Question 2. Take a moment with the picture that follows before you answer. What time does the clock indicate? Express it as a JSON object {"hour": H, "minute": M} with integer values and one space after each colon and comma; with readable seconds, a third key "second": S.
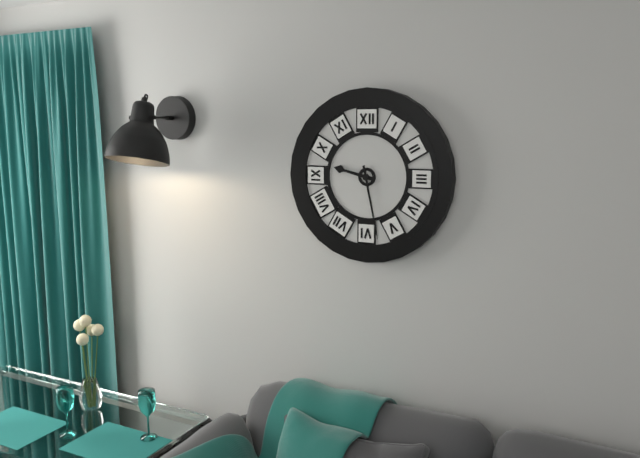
{"hour": 9, "minute": 28}
